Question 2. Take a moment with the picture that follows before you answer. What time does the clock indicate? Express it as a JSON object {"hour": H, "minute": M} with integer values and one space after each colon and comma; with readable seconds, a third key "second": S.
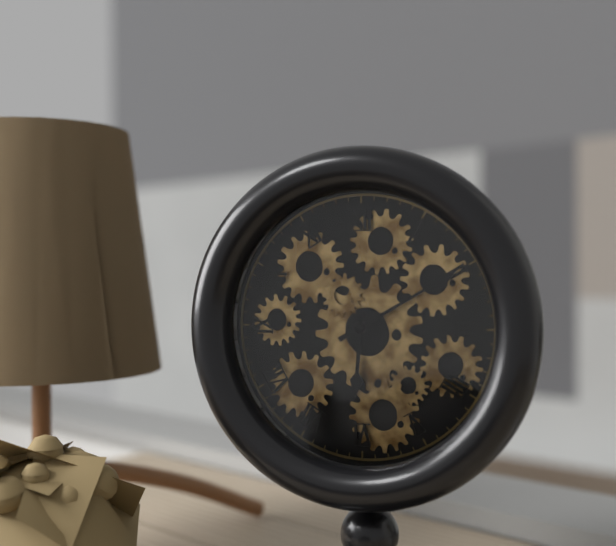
{"hour": 6, "minute": 10}
